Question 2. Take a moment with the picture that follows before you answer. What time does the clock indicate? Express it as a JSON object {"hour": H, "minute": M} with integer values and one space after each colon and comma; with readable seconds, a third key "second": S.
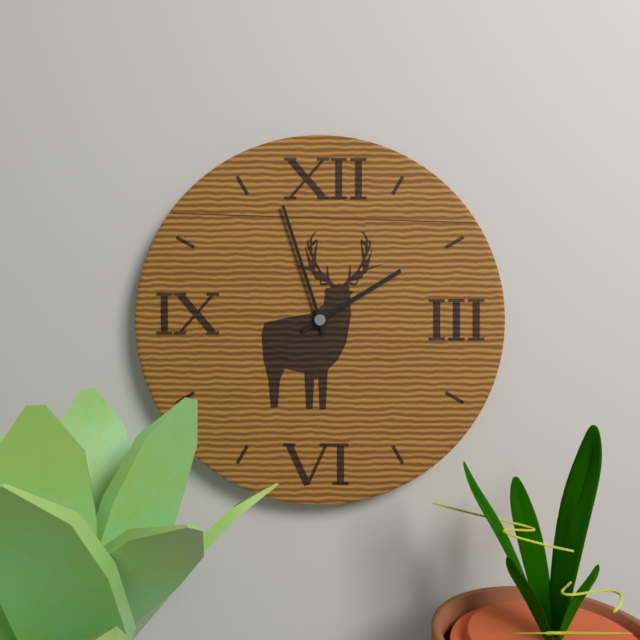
{"hour": 1, "minute": 57}
